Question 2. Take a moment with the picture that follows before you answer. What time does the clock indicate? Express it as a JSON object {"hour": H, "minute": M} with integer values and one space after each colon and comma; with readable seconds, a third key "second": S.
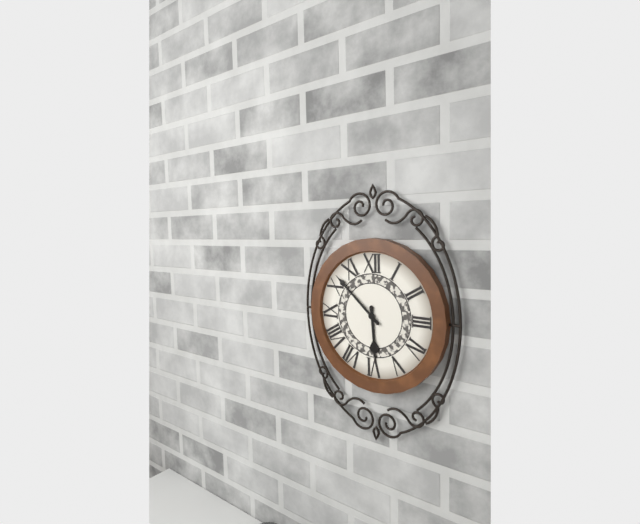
{"hour": 5, "minute": 52}
